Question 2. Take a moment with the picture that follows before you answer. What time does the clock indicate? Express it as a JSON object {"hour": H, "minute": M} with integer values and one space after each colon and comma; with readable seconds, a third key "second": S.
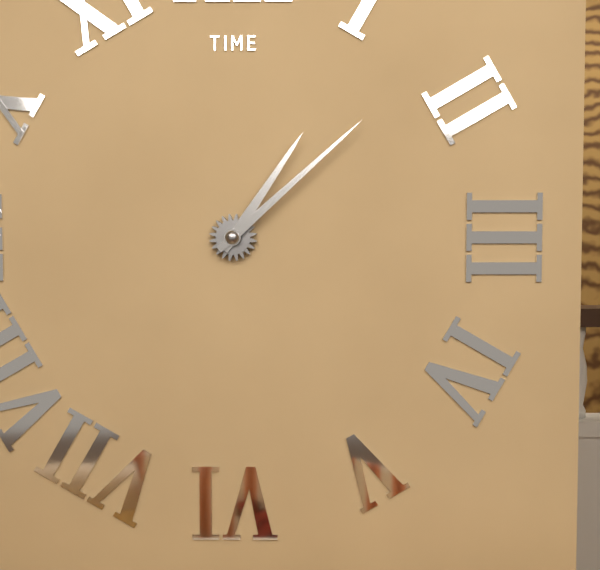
{"hour": 1, "minute": 8}
